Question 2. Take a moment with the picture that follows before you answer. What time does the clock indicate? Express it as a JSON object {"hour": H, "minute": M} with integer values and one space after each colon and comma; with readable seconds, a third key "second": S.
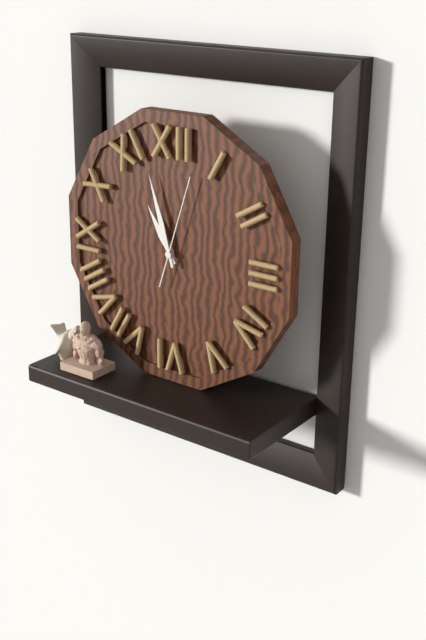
{"hour": 10, "minute": 57, "second": 3}
